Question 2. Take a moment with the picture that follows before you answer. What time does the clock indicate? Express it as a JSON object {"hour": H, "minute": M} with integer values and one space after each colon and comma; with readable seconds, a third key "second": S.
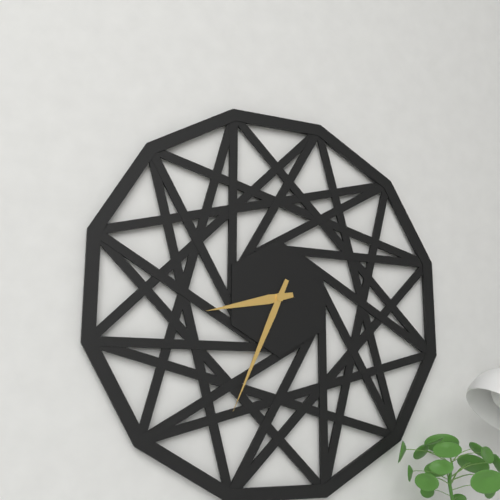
{"hour": 8, "minute": 34}
